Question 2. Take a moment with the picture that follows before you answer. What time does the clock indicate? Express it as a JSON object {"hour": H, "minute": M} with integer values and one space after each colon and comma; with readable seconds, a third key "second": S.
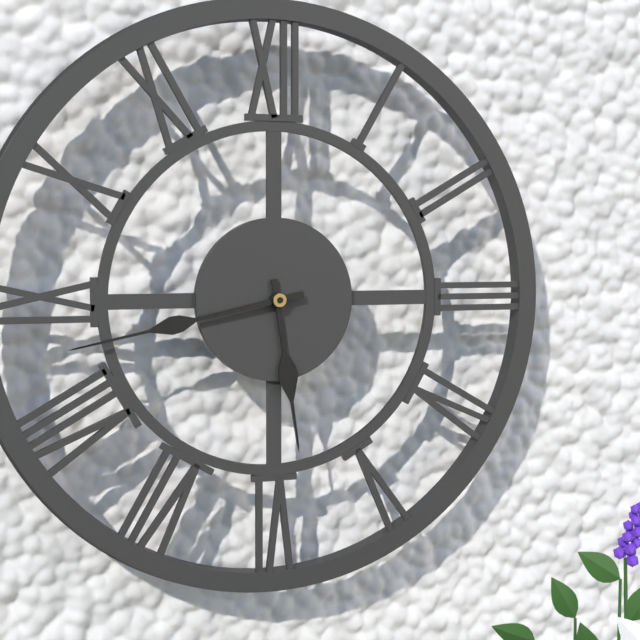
{"hour": 5, "minute": 43}
